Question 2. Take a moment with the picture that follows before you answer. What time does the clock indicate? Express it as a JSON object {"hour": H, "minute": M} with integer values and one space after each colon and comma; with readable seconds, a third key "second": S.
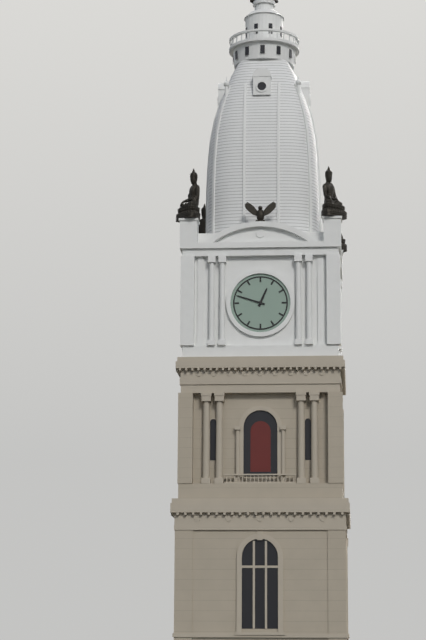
{"hour": 12, "minute": 48}
